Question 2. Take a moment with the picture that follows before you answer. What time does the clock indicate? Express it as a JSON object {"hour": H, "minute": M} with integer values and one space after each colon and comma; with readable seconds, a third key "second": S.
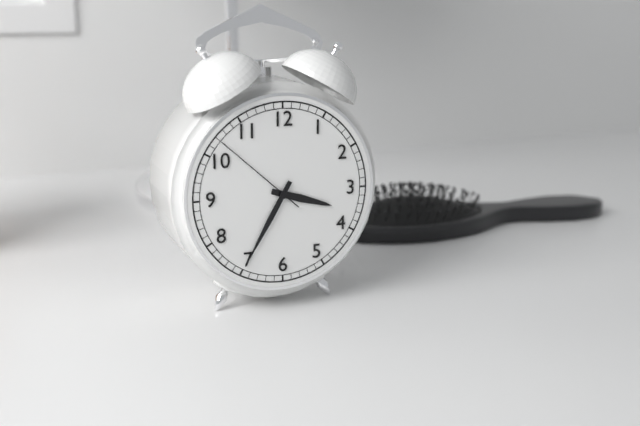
{"hour": 3, "minute": 35, "second": 52}
